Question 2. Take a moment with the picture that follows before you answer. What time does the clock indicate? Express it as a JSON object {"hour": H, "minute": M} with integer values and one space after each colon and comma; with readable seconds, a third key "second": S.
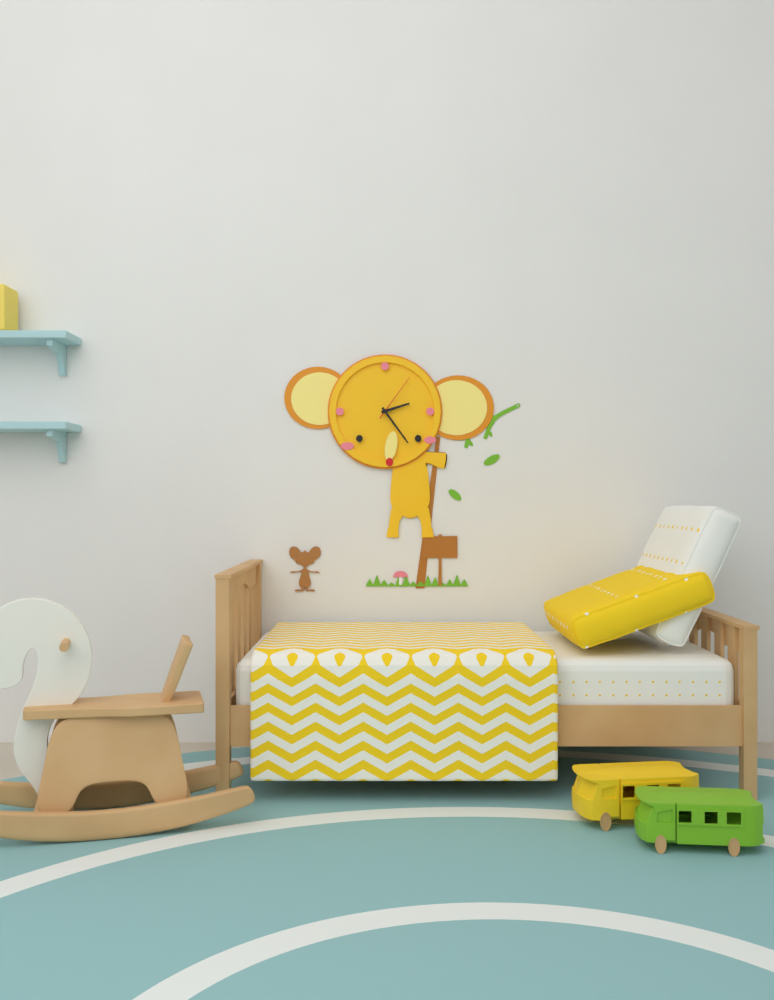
{"hour": 2, "minute": 24, "second": 6}
